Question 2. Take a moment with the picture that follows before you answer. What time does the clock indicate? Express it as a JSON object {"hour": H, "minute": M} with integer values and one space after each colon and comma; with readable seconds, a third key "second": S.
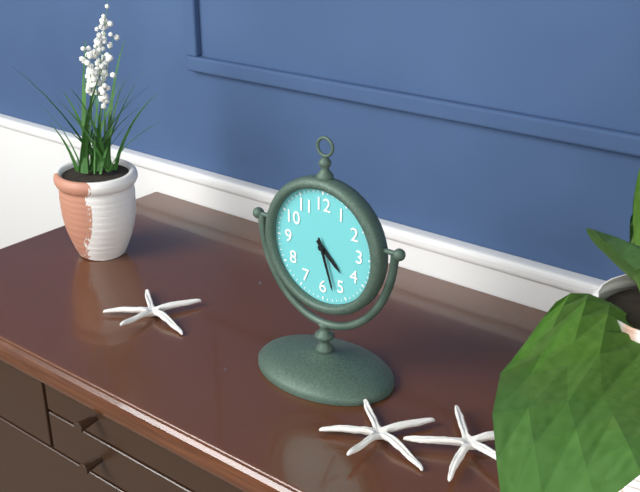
{"hour": 4, "minute": 27}
